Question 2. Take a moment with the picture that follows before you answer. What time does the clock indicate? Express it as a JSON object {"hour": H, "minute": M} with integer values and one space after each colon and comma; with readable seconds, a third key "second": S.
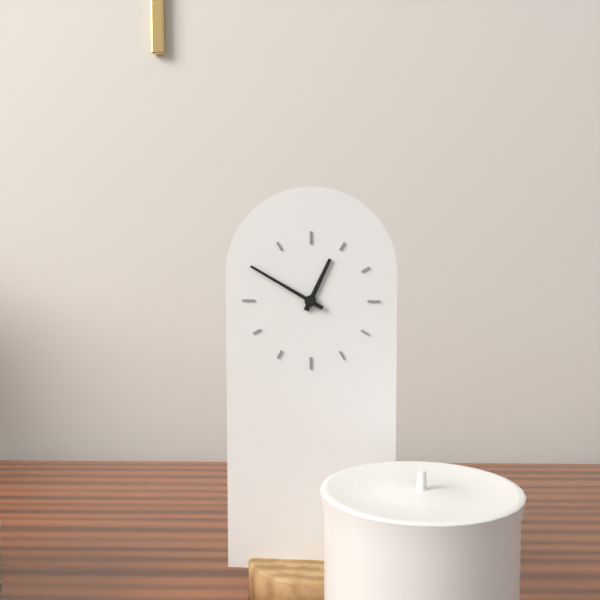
{"hour": 12, "minute": 50}
